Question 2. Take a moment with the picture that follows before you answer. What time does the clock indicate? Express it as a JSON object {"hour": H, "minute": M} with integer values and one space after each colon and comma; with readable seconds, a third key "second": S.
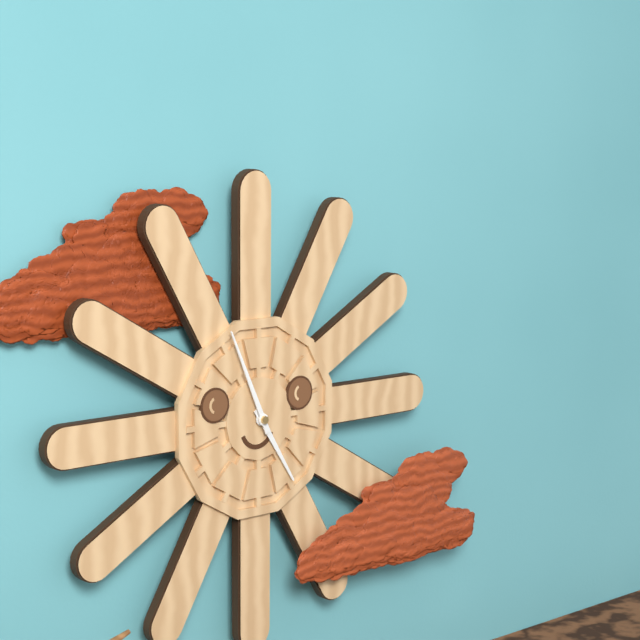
{"hour": 4, "minute": 56}
